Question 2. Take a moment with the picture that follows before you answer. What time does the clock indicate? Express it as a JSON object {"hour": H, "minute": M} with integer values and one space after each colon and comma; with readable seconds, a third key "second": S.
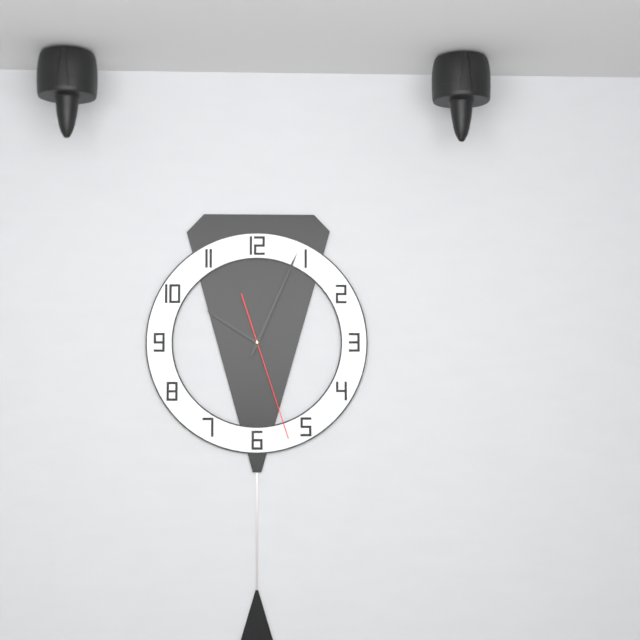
{"hour": 10, "minute": 4, "second": 27}
